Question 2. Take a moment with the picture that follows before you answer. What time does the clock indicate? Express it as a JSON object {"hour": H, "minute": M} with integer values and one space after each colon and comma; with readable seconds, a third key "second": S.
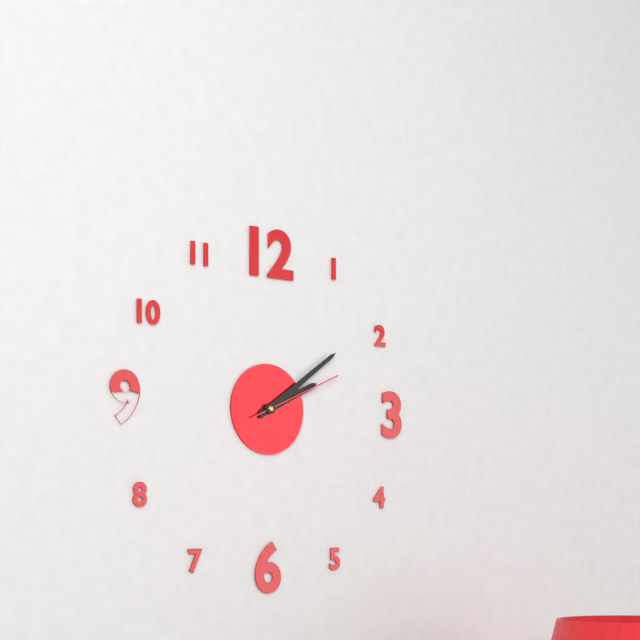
{"hour": 2, "minute": 9, "second": 11}
